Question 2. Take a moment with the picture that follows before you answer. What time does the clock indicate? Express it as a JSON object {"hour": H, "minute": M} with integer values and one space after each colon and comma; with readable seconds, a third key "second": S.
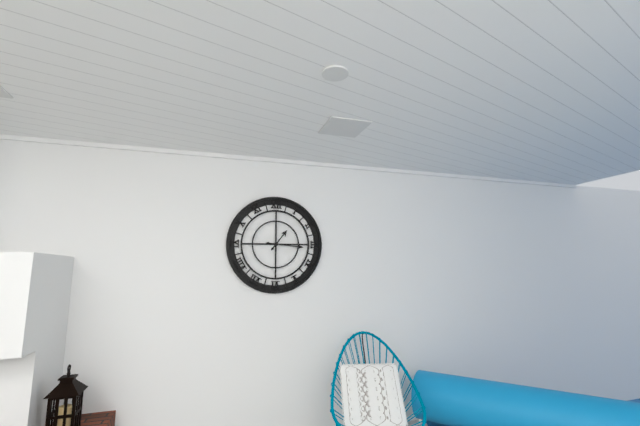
{"hour": 1, "minute": 16}
